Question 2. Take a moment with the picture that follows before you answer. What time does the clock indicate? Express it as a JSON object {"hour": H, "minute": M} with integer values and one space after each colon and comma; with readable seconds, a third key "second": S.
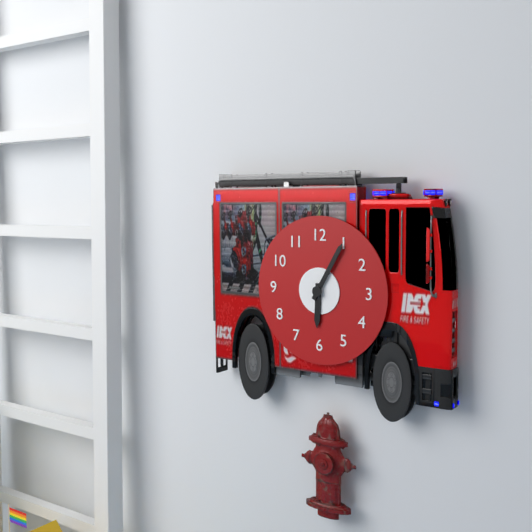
{"hour": 6, "minute": 5}
